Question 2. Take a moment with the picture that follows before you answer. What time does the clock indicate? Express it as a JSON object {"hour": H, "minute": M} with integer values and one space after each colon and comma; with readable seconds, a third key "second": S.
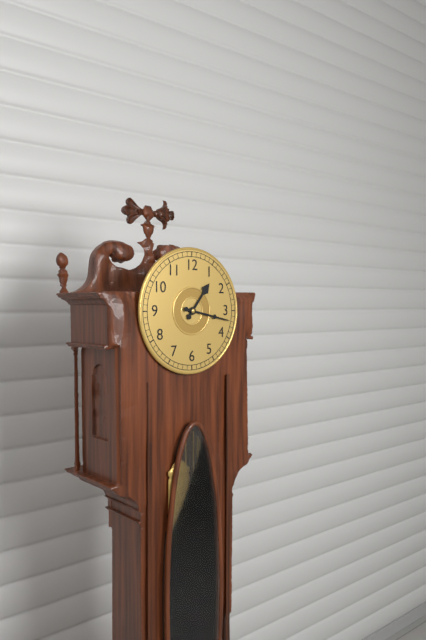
{"hour": 1, "minute": 17}
